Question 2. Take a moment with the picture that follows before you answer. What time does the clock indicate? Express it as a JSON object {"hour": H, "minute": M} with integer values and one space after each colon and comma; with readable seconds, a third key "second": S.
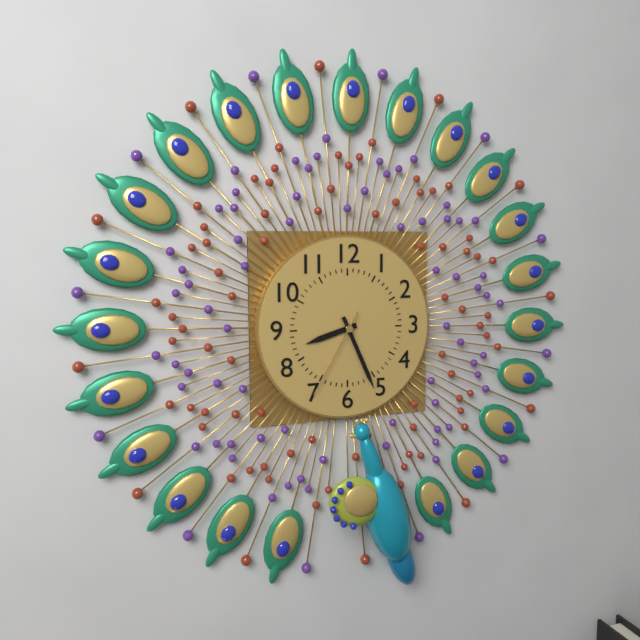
{"hour": 8, "minute": 26, "second": 35}
